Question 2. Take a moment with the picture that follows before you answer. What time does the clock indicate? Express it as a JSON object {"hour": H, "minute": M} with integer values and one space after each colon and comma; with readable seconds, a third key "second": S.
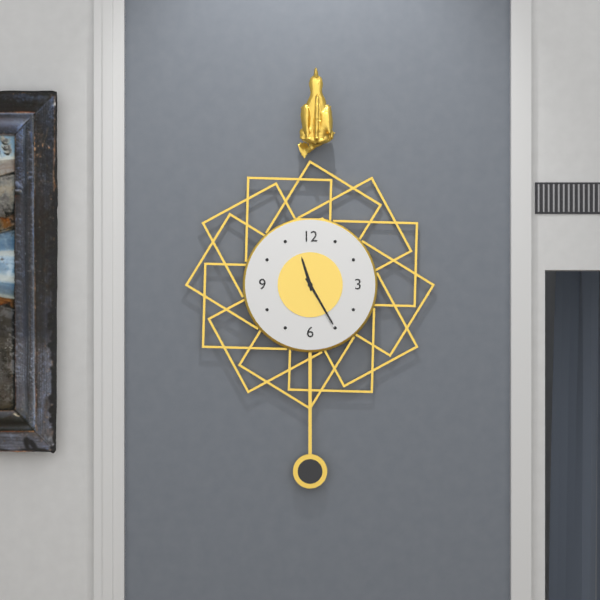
{"hour": 11, "minute": 25}
